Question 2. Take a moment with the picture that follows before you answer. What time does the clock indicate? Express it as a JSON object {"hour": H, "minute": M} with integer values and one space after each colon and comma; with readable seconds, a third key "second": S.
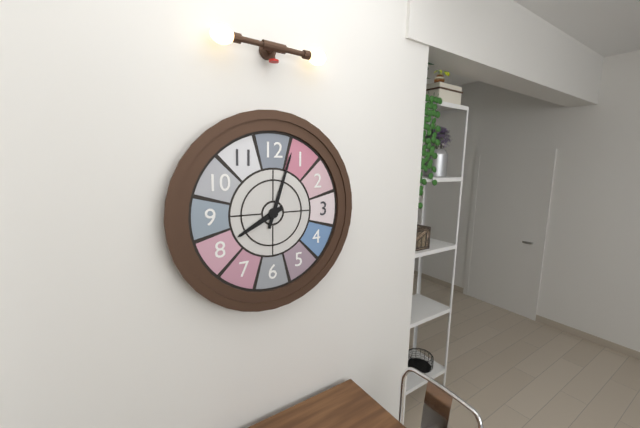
{"hour": 8, "minute": 3}
